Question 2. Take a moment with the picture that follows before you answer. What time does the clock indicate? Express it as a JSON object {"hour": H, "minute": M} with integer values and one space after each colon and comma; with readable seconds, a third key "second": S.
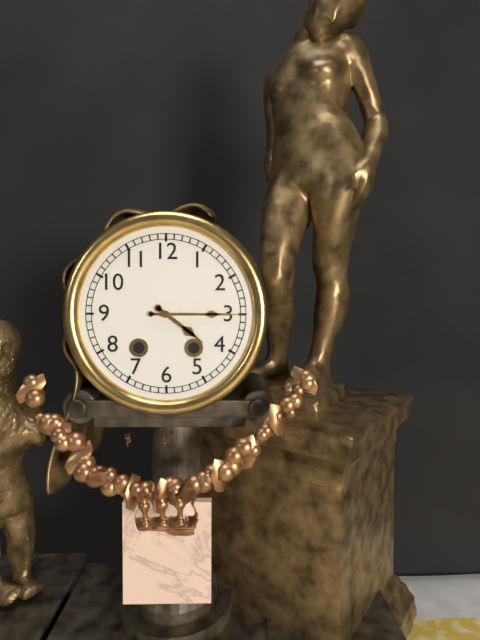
{"hour": 4, "minute": 15}
